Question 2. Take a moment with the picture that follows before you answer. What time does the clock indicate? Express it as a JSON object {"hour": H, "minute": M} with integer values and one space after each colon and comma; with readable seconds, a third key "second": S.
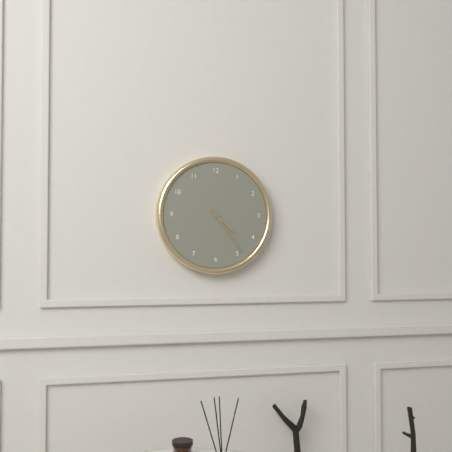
{"hour": 4, "minute": 24}
